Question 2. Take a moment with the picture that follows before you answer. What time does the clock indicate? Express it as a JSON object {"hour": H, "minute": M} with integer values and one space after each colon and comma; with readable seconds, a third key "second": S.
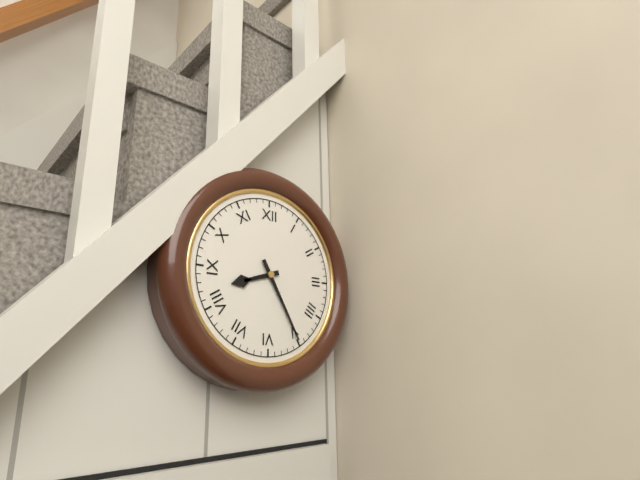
{"hour": 8, "minute": 25}
